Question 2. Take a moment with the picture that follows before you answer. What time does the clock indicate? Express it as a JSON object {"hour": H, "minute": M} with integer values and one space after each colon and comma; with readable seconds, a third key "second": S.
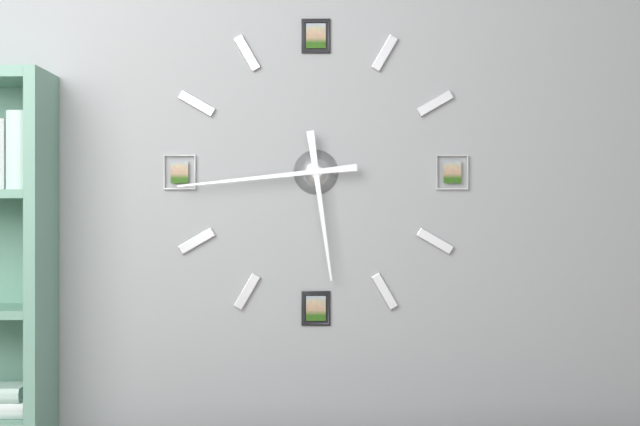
{"hour": 5, "minute": 44}
